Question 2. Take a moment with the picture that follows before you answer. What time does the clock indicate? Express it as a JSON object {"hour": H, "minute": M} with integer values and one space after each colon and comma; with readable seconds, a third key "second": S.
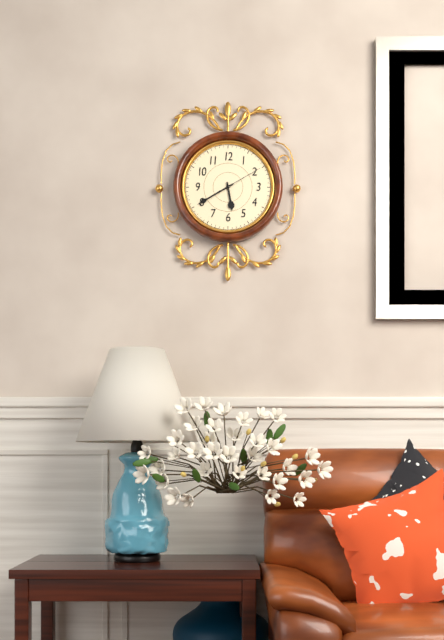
{"hour": 5, "minute": 40}
